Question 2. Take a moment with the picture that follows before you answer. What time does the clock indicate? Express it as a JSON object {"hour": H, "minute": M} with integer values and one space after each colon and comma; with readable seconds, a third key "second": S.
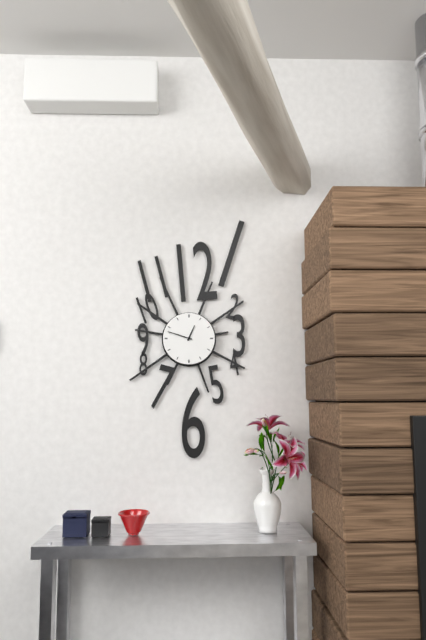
{"hour": 12, "minute": 48}
